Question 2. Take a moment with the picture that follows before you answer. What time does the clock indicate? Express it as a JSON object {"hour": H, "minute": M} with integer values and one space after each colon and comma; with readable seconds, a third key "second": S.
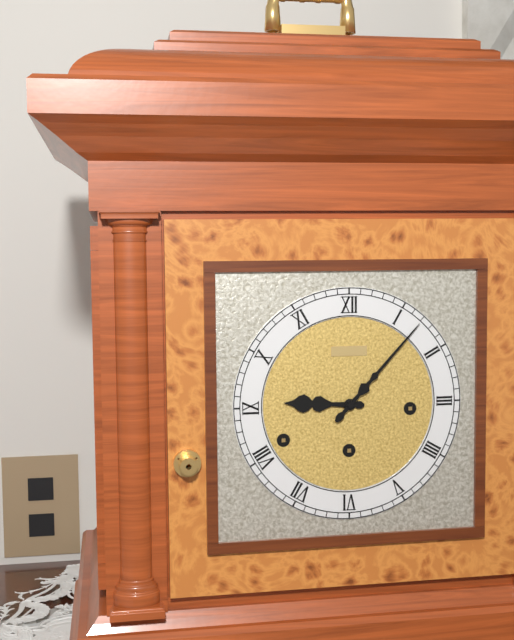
{"hour": 9, "minute": 7}
